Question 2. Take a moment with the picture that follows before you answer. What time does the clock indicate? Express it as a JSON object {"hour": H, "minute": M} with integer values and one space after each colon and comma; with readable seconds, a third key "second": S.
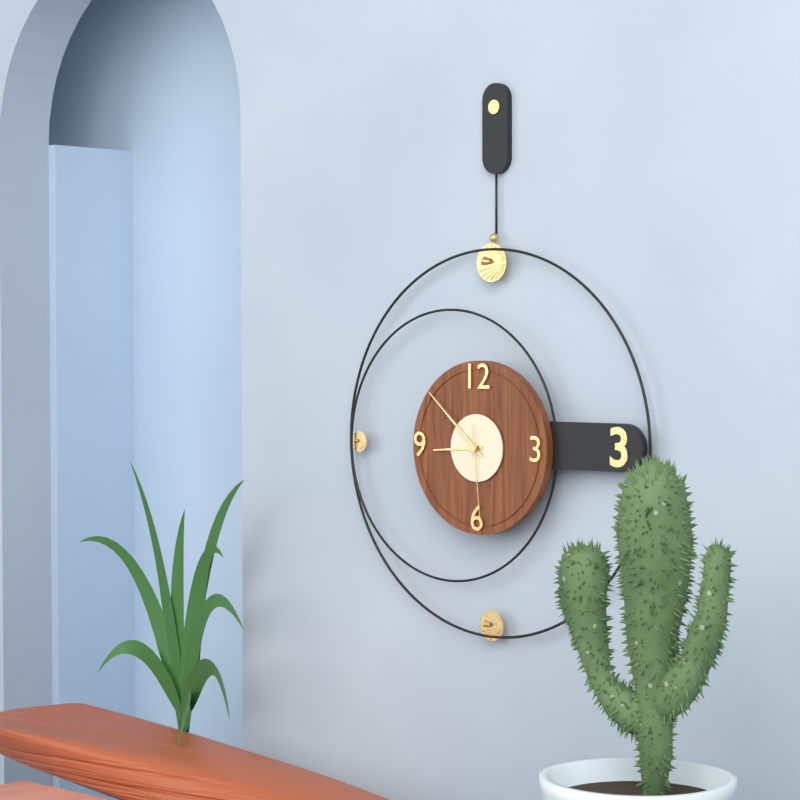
{"hour": 8, "minute": 52, "second": 29}
